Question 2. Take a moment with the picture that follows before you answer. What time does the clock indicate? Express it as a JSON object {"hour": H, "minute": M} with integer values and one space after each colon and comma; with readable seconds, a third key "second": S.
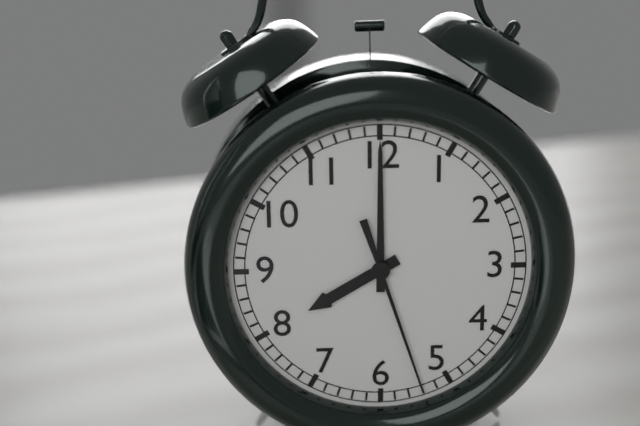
{"hour": 8, "minute": 0, "second": 27}
